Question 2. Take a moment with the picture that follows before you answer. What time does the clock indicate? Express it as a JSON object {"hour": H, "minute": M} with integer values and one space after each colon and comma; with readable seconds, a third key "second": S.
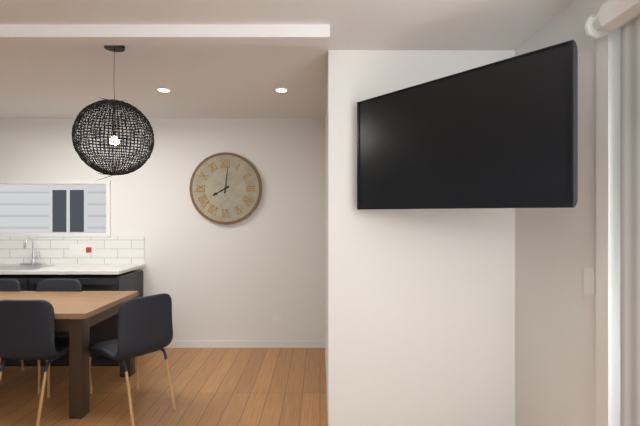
{"hour": 8, "minute": 1}
